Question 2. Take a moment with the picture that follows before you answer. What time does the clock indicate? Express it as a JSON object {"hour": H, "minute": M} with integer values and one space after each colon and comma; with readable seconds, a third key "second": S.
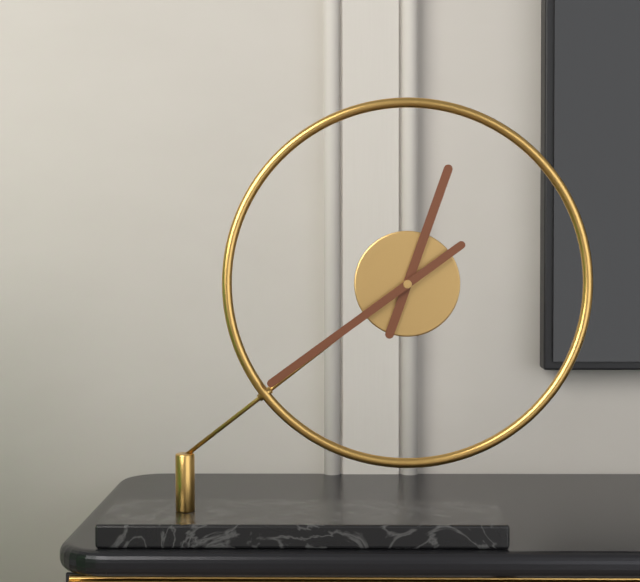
{"hour": 12, "minute": 39}
